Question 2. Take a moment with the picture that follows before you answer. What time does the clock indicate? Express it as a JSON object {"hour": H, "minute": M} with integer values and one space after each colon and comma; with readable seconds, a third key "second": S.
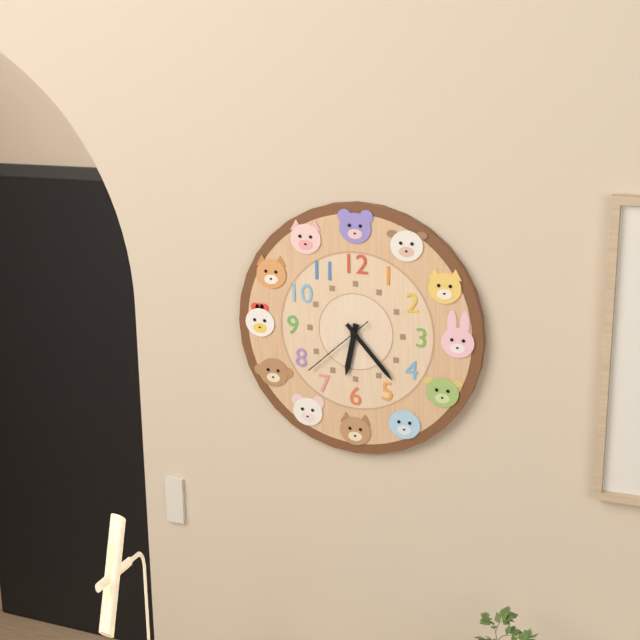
{"hour": 6, "minute": 23, "second": 38}
